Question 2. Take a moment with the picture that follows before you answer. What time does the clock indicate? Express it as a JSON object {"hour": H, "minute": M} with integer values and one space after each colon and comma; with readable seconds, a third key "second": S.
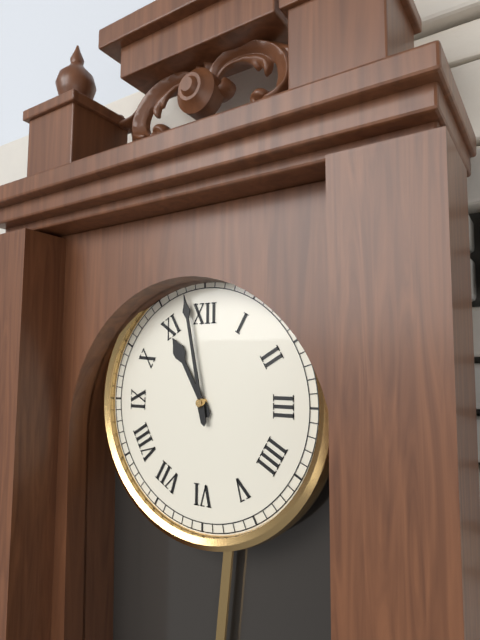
{"hour": 10, "minute": 58}
